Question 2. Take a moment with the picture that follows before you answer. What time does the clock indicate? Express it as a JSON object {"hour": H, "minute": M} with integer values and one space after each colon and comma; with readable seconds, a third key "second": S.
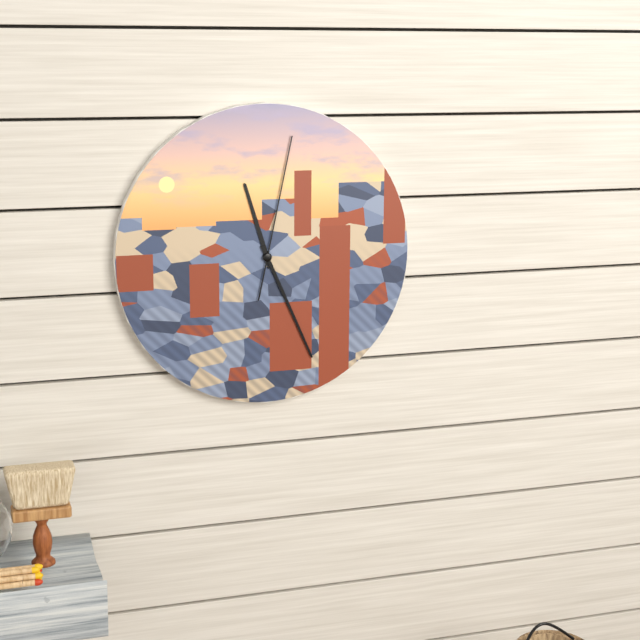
{"hour": 11, "minute": 26, "second": 2}
